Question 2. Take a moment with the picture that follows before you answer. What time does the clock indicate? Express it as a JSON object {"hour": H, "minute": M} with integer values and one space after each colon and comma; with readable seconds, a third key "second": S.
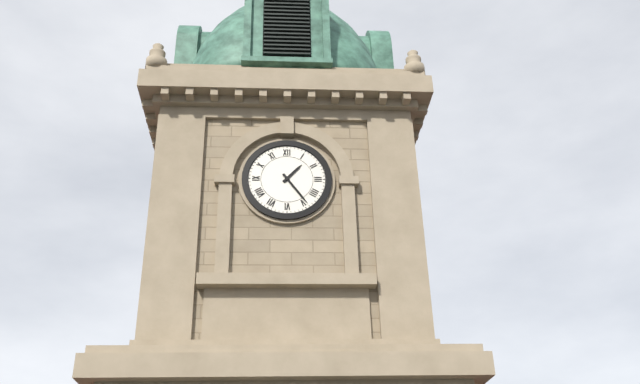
{"hour": 1, "minute": 24}
